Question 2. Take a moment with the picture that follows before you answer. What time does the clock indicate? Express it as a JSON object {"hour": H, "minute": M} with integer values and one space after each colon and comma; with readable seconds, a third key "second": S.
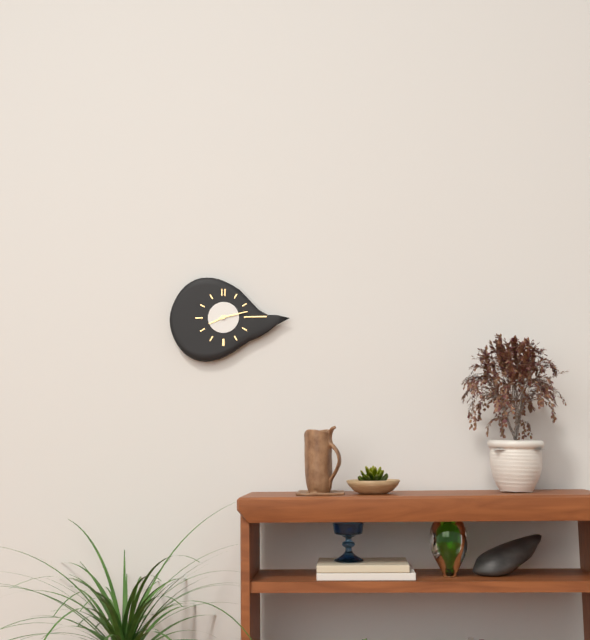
{"hour": 8, "minute": 13}
